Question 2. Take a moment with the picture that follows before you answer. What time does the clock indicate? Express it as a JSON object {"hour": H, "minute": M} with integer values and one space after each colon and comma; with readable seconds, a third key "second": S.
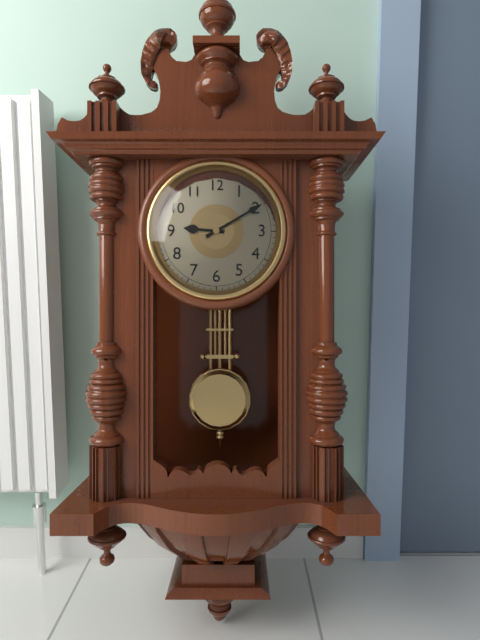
{"hour": 9, "minute": 10}
